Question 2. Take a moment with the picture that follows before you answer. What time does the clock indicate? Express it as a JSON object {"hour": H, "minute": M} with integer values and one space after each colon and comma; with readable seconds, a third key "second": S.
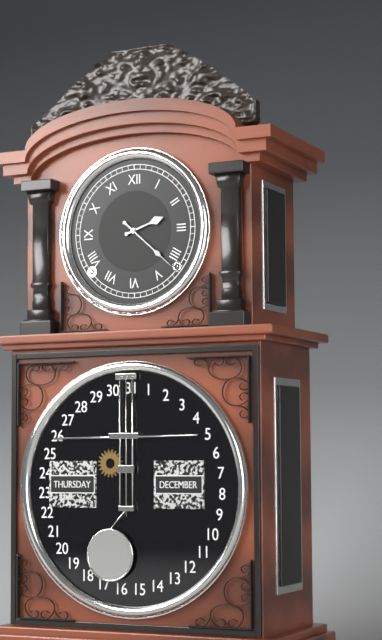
{"hour": 2, "minute": 22}
